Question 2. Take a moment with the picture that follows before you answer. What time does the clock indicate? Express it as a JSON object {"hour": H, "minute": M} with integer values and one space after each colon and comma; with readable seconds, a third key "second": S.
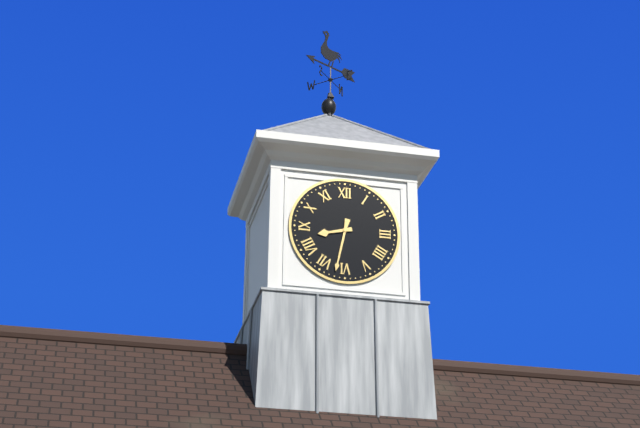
{"hour": 8, "minute": 32}
